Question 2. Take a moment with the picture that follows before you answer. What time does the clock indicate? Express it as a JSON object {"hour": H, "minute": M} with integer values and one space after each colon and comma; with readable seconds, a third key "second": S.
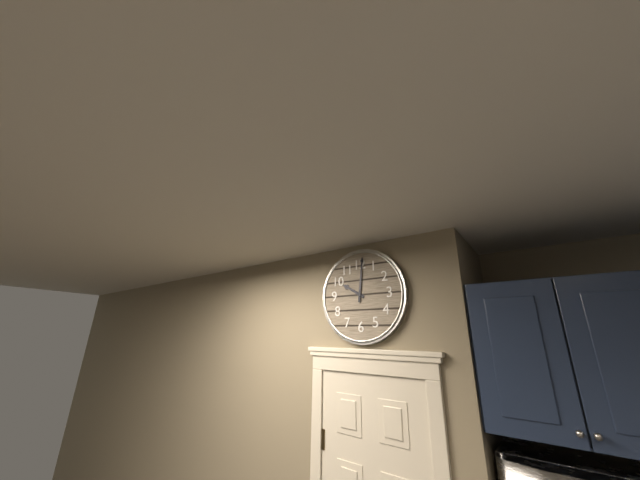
{"hour": 10, "minute": 1}
